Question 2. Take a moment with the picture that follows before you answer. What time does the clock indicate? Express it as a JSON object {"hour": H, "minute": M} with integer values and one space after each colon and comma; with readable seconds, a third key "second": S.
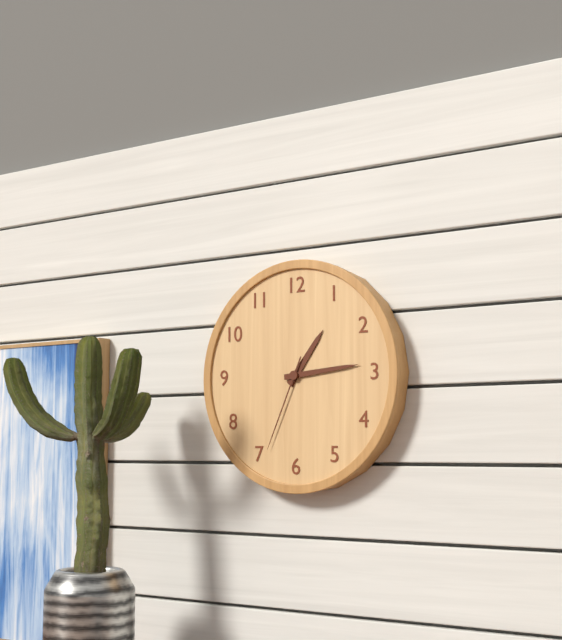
{"hour": 1, "minute": 14, "second": 34}
